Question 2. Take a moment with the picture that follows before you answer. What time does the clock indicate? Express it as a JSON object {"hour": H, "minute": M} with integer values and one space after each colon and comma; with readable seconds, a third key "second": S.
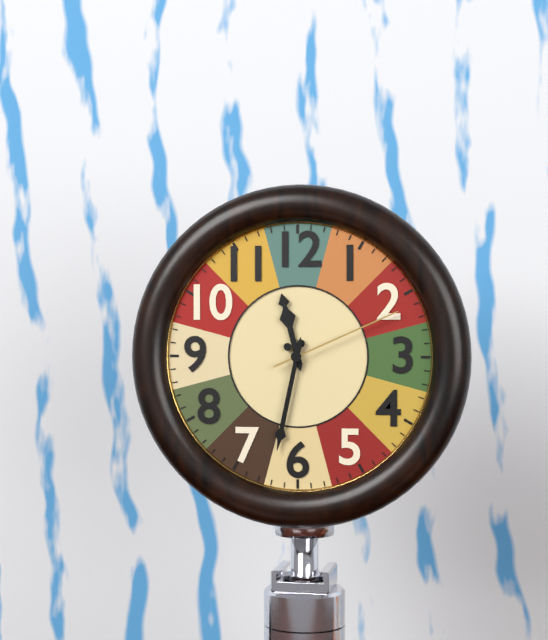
{"hour": 11, "minute": 32, "second": 11}
